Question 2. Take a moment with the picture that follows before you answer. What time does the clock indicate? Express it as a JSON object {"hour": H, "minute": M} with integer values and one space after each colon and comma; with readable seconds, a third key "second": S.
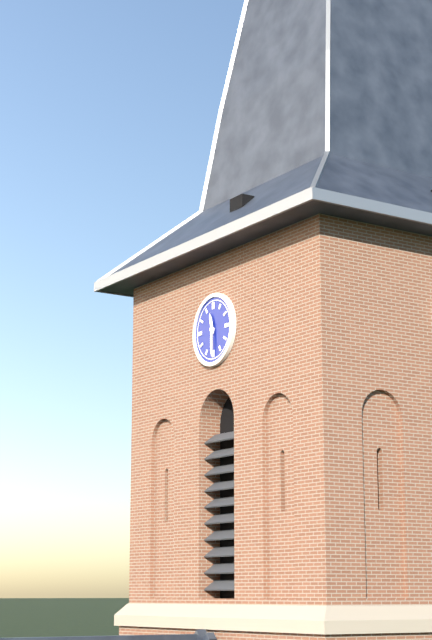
{"hour": 11, "minute": 30}
